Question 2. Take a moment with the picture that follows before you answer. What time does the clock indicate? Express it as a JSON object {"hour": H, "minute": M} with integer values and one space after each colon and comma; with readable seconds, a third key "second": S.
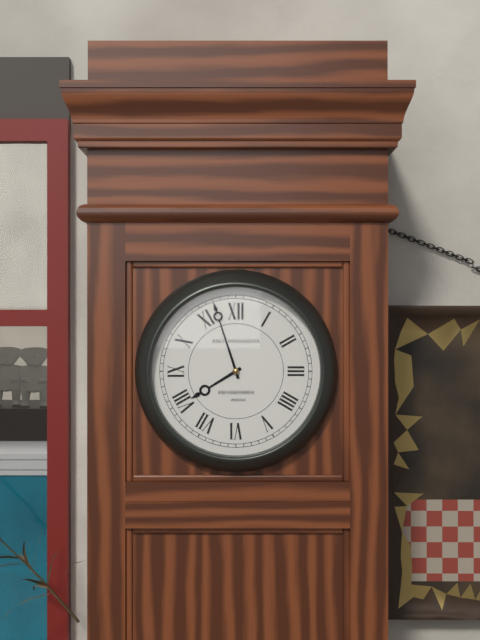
{"hour": 7, "minute": 57}
